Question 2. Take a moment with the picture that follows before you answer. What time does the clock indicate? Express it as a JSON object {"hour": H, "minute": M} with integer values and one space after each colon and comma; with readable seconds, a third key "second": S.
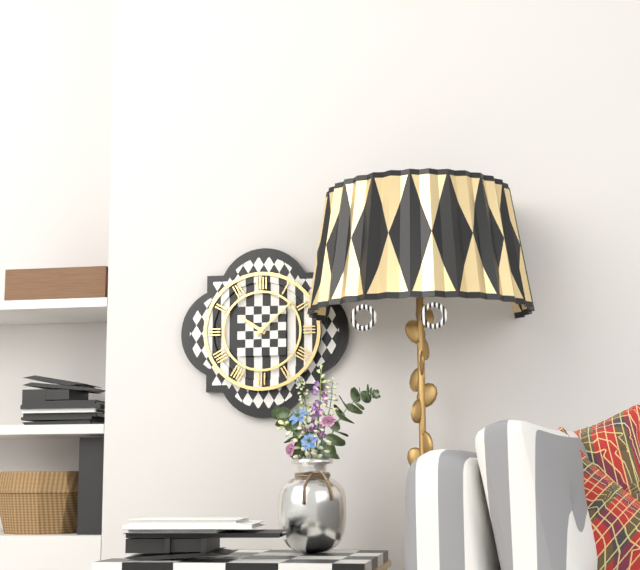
{"hour": 10, "minute": 8}
